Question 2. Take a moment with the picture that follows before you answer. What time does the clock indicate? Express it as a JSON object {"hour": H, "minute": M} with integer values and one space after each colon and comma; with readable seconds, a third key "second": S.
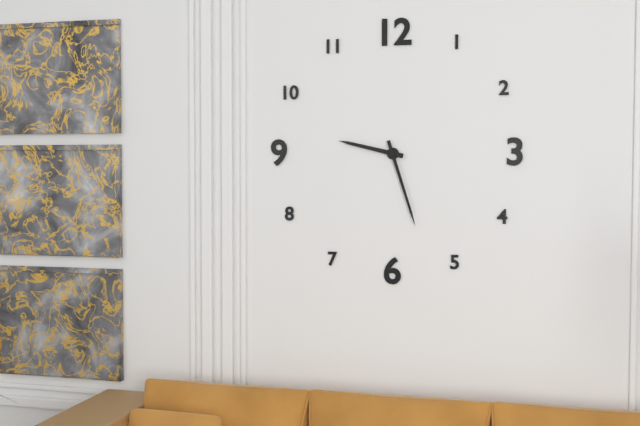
{"hour": 9, "minute": 27}
